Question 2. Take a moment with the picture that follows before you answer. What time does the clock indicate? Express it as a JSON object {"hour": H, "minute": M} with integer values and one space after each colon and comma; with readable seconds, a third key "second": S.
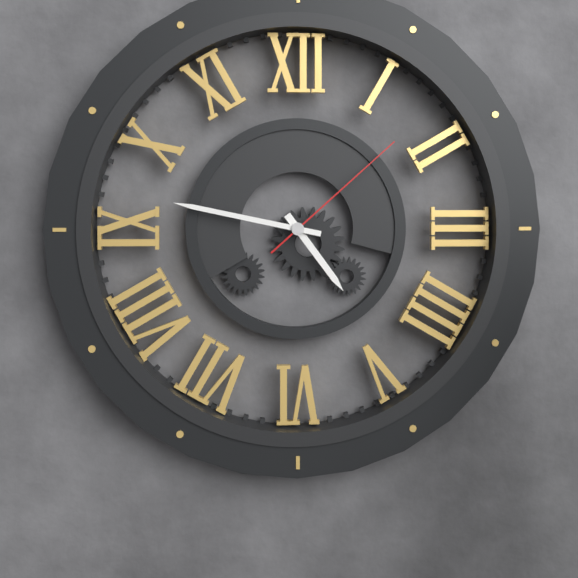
{"hour": 4, "minute": 47, "second": 8}
